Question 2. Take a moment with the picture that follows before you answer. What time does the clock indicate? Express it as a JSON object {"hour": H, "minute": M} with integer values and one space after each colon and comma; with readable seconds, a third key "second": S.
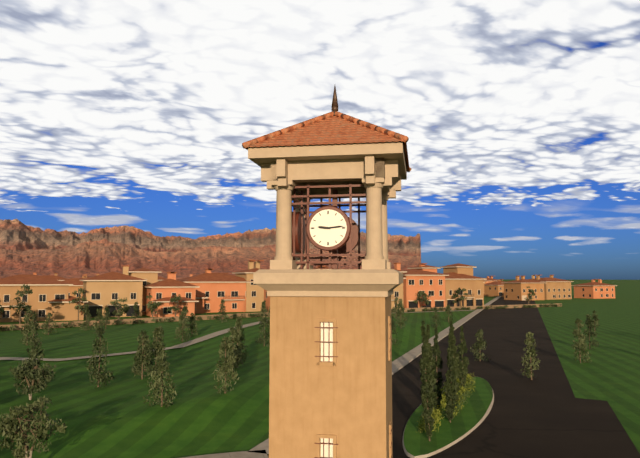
{"hour": 9, "minute": 14}
